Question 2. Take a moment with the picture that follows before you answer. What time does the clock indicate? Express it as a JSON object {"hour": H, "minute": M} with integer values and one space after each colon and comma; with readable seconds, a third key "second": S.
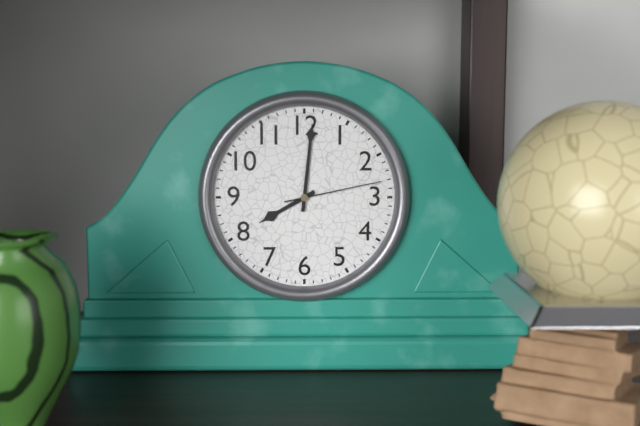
{"hour": 8, "minute": 1, "second": 13}
